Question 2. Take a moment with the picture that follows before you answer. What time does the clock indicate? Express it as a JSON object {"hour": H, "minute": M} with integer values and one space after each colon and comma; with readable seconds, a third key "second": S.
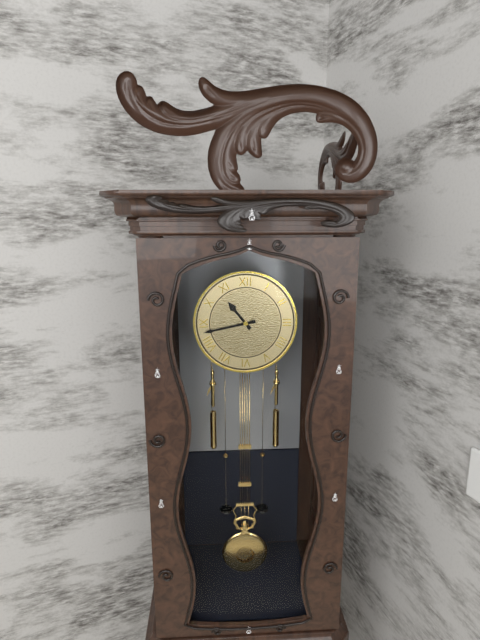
{"hour": 10, "minute": 43}
